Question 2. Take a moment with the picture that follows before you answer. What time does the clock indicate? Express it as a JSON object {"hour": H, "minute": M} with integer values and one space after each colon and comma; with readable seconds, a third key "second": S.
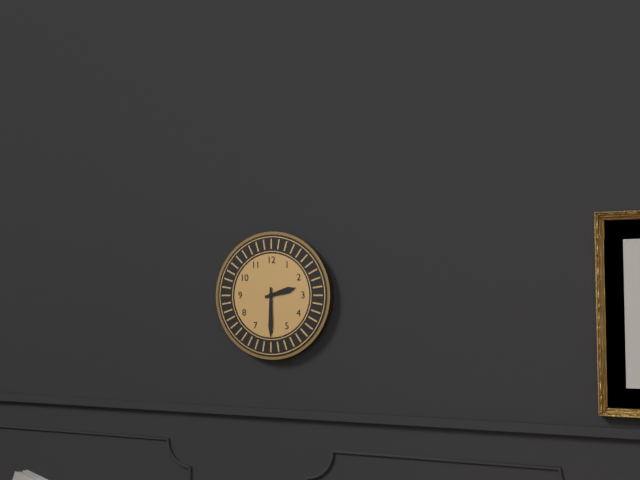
{"hour": 2, "minute": 30}
